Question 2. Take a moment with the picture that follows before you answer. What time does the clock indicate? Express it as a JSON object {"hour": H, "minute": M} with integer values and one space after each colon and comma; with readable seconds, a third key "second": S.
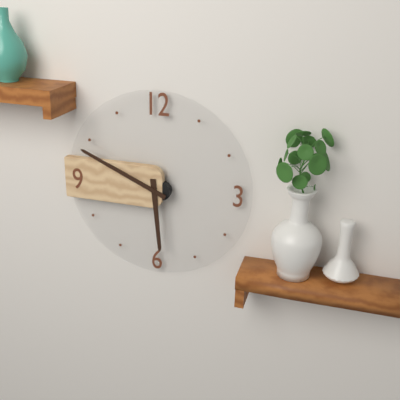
{"hour": 5, "minute": 49}
